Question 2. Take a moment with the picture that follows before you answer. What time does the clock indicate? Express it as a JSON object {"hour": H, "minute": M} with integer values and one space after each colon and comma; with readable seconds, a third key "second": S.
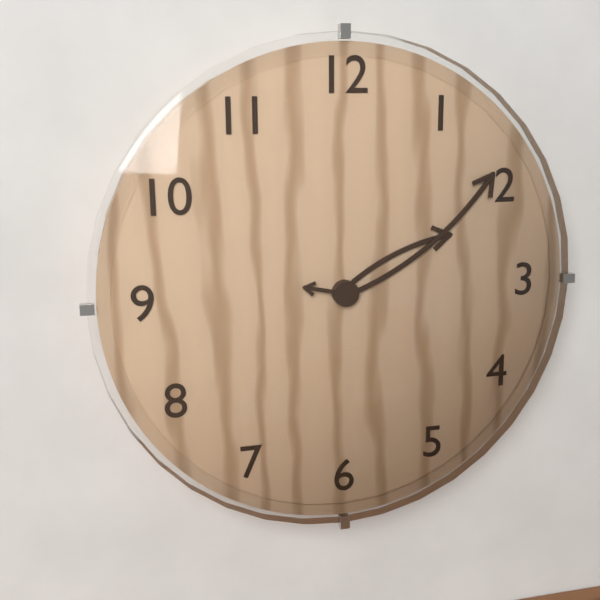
{"hour": 2, "minute": 9, "second": 47}
